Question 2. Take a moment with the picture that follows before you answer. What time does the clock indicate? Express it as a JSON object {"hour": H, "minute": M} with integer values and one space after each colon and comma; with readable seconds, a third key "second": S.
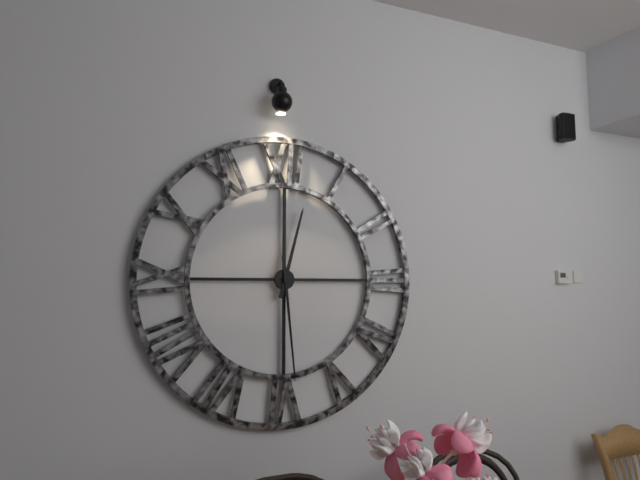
{"hour": 12, "minute": 29}
